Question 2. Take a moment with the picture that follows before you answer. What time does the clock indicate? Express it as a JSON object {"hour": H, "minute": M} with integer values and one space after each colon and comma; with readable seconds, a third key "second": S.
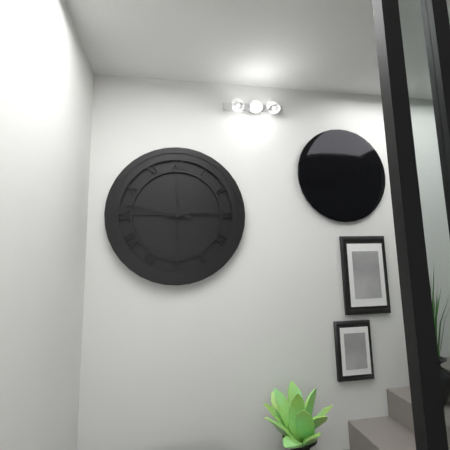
{"hour": 2, "minute": 47}
